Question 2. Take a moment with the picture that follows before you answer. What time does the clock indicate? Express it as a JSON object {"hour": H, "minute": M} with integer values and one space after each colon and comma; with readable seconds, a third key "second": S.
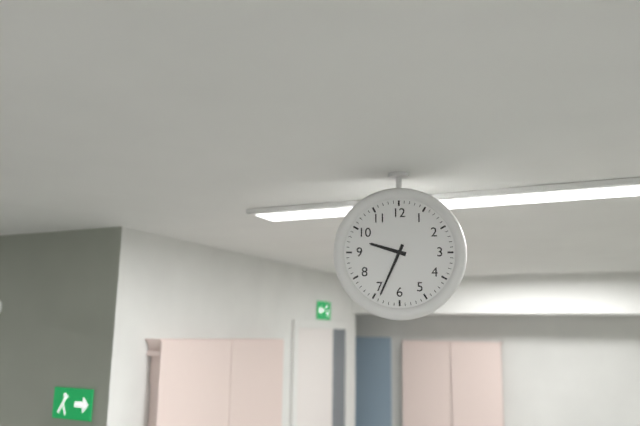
{"hour": 9, "minute": 34}
